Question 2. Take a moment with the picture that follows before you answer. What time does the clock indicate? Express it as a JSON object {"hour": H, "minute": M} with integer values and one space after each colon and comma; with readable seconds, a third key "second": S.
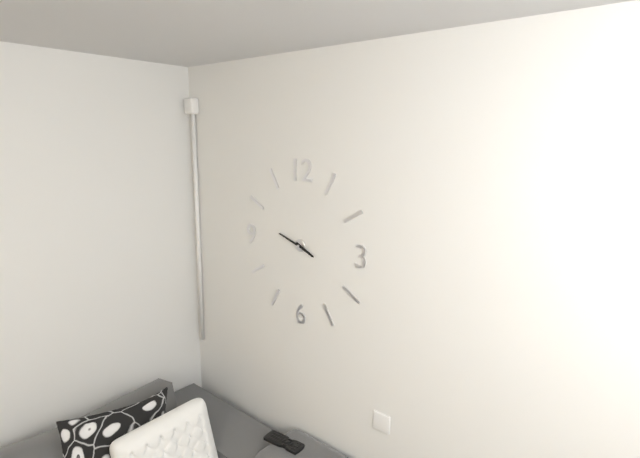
{"hour": 3, "minute": 48}
